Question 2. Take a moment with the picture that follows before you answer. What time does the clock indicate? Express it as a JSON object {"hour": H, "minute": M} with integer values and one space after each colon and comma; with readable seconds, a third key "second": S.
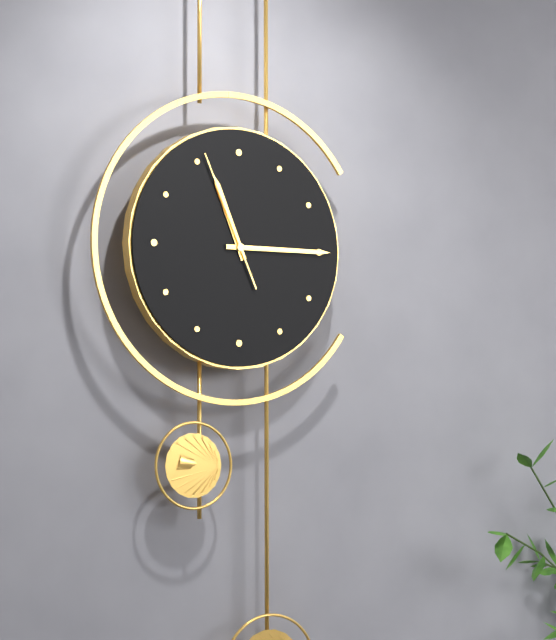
{"hour": 11, "minute": 15, "second": 56}
